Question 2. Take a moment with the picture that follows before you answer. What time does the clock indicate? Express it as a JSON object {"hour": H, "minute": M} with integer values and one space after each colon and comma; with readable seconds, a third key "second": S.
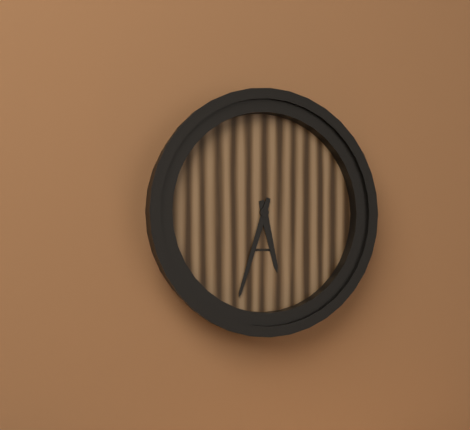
{"hour": 5, "minute": 33}
